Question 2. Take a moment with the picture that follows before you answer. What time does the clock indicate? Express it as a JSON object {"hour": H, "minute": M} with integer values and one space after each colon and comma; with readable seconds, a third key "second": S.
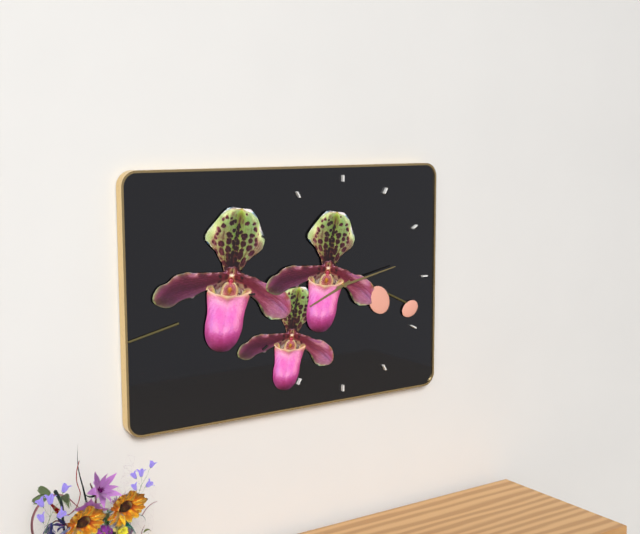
{"hour": 8, "minute": 13}
